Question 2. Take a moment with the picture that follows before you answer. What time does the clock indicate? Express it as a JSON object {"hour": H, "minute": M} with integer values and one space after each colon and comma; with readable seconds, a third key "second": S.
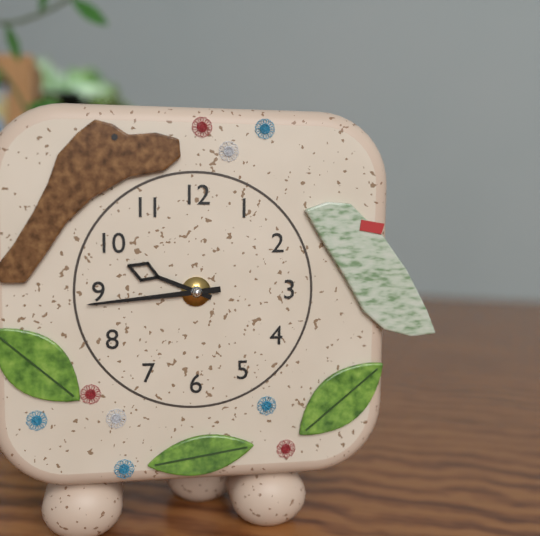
{"hour": 9, "minute": 44}
